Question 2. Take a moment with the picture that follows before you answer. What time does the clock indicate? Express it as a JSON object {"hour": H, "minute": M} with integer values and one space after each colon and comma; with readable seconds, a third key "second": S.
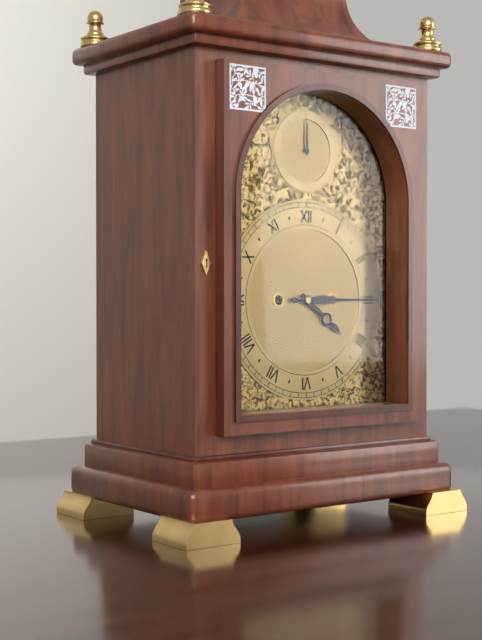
{"hour": 4, "minute": 15}
